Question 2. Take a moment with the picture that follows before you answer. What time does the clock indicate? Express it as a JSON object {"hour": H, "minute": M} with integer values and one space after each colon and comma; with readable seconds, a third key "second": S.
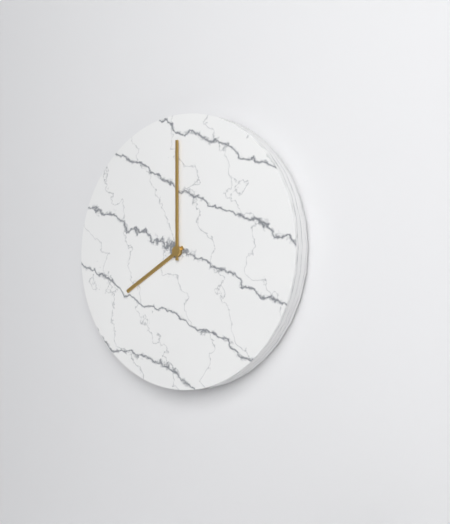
{"hour": 8, "minute": 0}
